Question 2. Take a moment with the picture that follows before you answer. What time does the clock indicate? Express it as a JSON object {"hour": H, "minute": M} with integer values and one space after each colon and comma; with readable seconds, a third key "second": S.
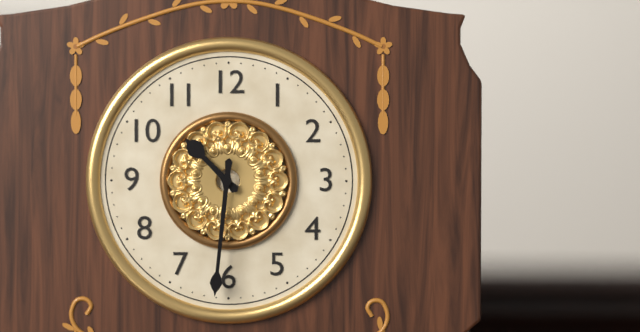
{"hour": 10, "minute": 31}
